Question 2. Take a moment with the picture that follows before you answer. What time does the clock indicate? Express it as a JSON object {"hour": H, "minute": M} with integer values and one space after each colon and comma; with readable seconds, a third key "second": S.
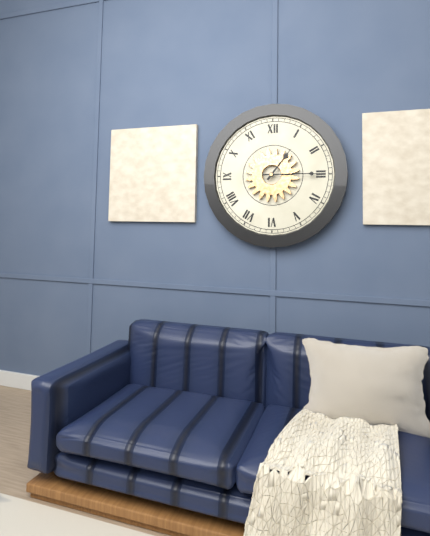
{"hour": 1, "minute": 15}
